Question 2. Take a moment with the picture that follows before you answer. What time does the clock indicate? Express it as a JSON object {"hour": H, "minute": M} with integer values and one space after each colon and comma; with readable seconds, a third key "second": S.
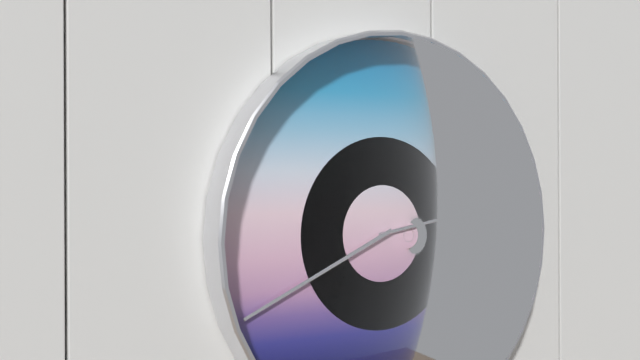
{"hour": 2, "minute": 41}
